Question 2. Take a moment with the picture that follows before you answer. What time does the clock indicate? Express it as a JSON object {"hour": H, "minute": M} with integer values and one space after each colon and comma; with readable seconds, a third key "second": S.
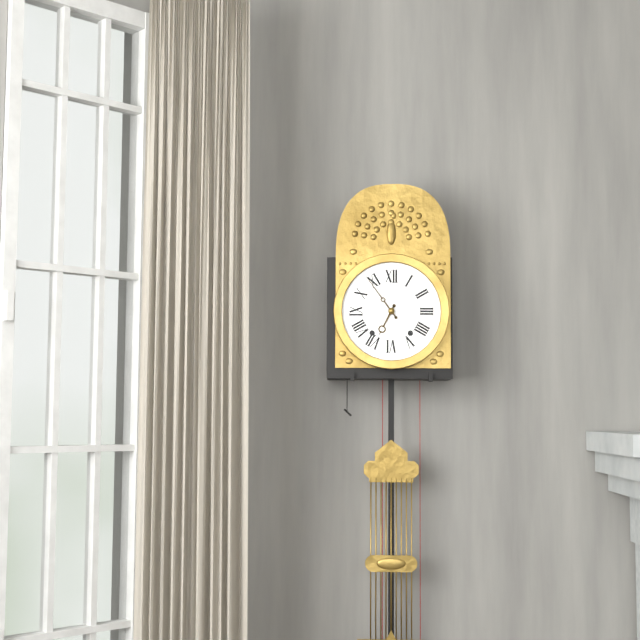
{"hour": 6, "minute": 54}
